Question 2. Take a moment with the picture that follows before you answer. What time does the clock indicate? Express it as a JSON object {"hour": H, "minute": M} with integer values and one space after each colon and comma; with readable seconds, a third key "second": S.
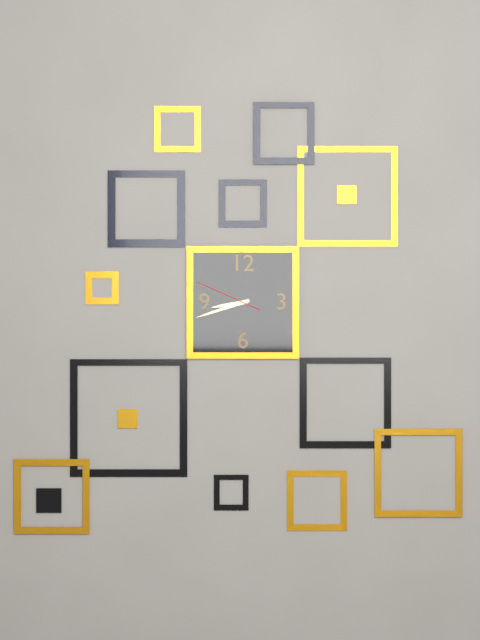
{"hour": 8, "minute": 42, "second": 49}
